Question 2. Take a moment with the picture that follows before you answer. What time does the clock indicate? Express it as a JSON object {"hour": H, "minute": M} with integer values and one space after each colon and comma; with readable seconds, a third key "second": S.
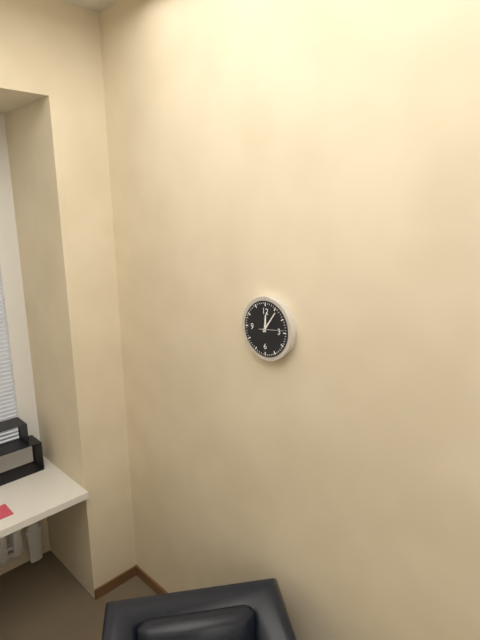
{"hour": 12, "minute": 6}
